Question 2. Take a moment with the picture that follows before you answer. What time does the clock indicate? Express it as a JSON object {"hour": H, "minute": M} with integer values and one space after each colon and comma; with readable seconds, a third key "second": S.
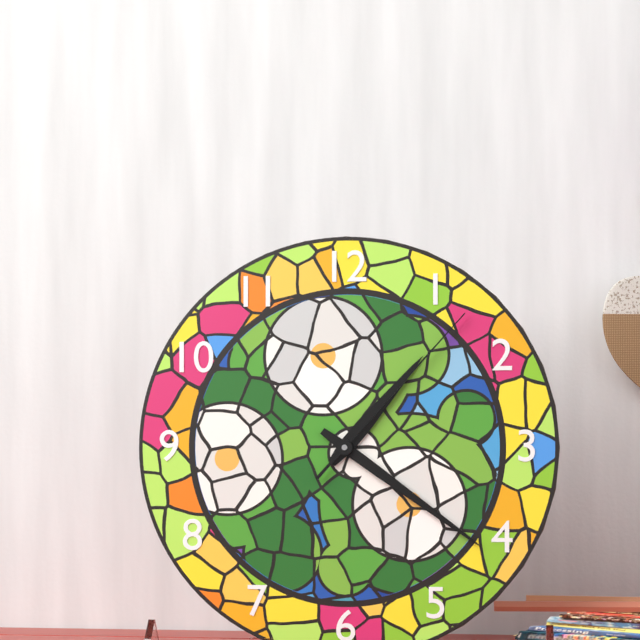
{"hour": 1, "minute": 21, "second": 7}
